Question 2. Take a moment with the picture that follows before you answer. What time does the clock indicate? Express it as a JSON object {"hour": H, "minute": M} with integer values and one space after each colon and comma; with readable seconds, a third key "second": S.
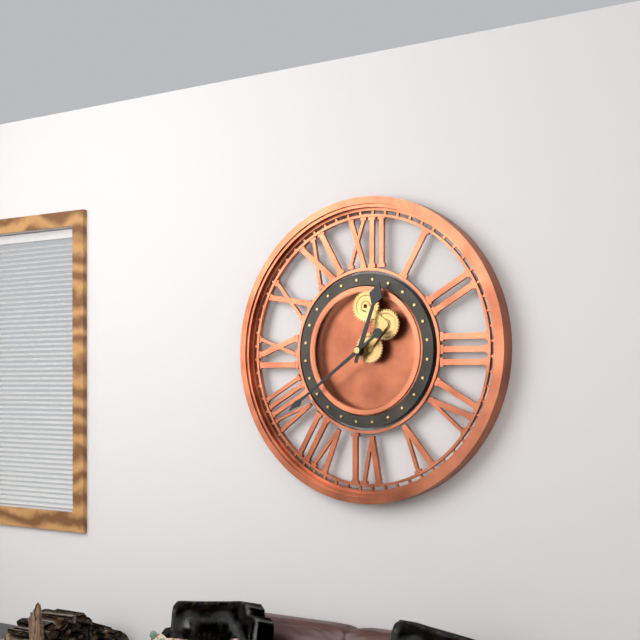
{"hour": 12, "minute": 39}
